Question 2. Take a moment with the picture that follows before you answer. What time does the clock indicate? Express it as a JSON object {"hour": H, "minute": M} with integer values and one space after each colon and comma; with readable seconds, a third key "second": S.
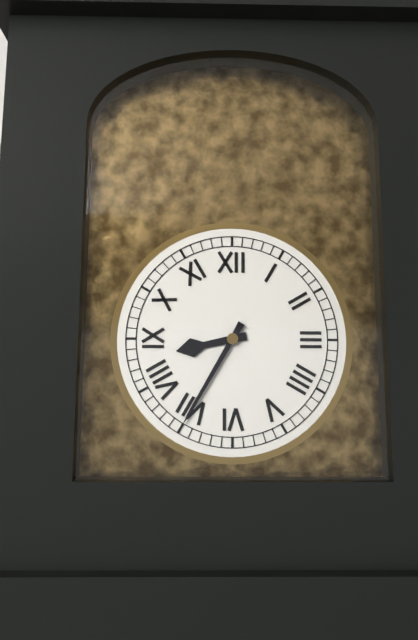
{"hour": 8, "minute": 35}
